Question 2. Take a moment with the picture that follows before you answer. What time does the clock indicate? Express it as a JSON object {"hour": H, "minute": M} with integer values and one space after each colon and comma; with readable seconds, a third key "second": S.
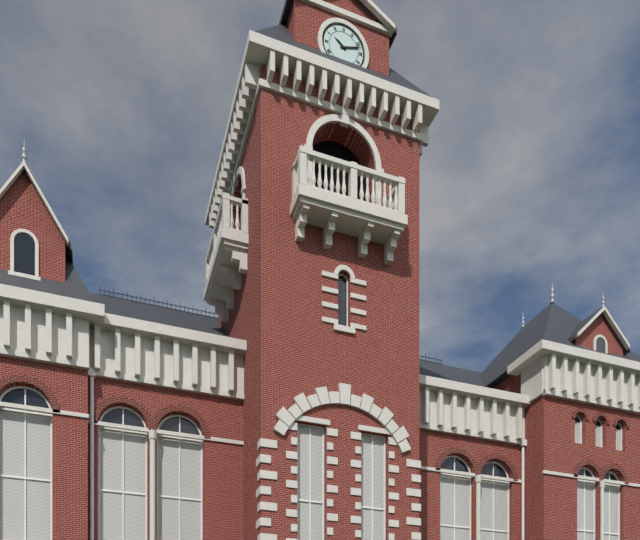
{"hour": 10, "minute": 12}
